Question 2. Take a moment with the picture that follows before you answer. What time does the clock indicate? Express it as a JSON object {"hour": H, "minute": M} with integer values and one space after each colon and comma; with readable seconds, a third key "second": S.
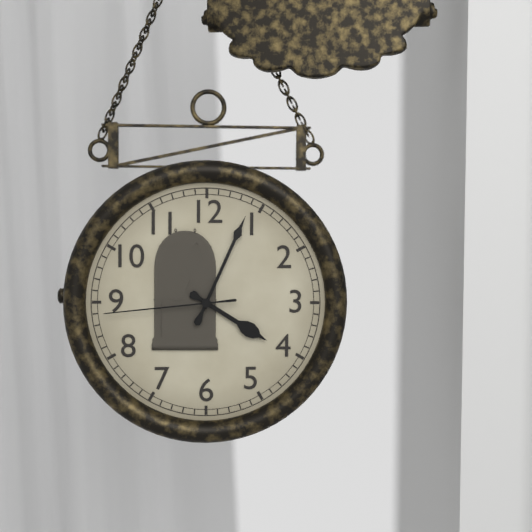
{"hour": 4, "minute": 4, "second": 44}
